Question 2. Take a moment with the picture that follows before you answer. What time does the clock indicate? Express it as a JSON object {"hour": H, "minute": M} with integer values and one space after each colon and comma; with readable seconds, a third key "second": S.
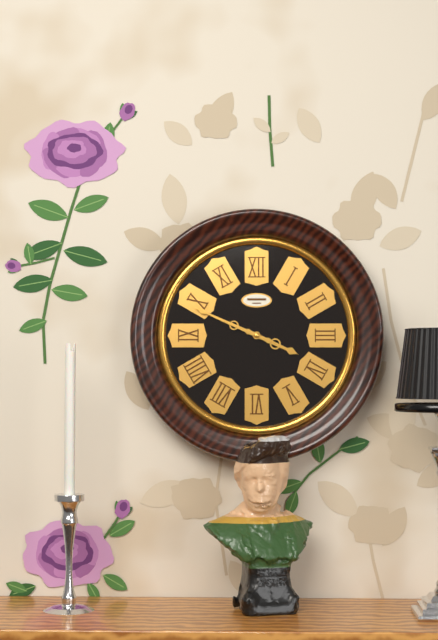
{"hour": 3, "minute": 49}
